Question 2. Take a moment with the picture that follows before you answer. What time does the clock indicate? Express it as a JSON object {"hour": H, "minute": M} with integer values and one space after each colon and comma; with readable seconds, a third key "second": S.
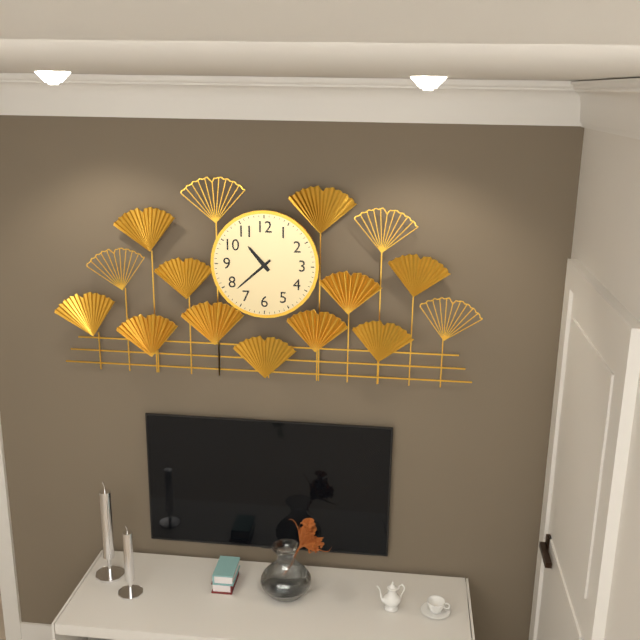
{"hour": 10, "minute": 38}
